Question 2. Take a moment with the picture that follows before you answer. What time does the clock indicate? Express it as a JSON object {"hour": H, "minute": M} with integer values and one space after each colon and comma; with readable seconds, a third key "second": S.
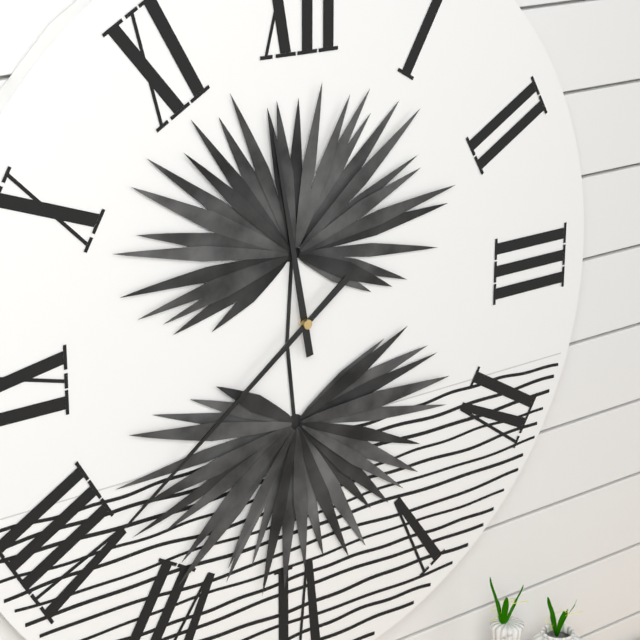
{"hour": 11, "minute": 39}
